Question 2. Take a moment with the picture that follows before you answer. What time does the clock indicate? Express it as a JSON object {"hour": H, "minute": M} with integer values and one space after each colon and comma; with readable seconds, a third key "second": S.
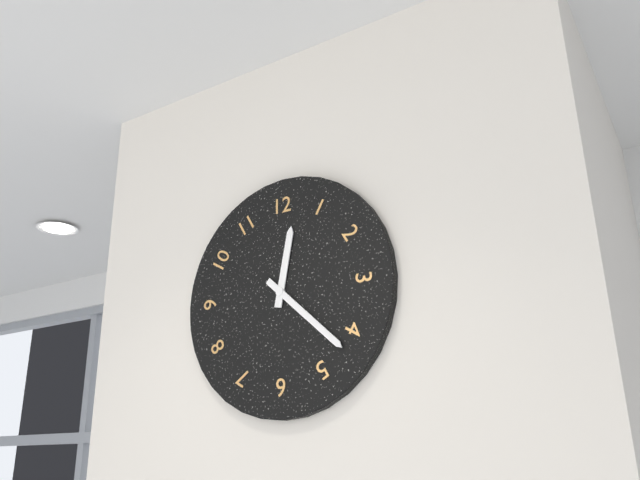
{"hour": 12, "minute": 22}
